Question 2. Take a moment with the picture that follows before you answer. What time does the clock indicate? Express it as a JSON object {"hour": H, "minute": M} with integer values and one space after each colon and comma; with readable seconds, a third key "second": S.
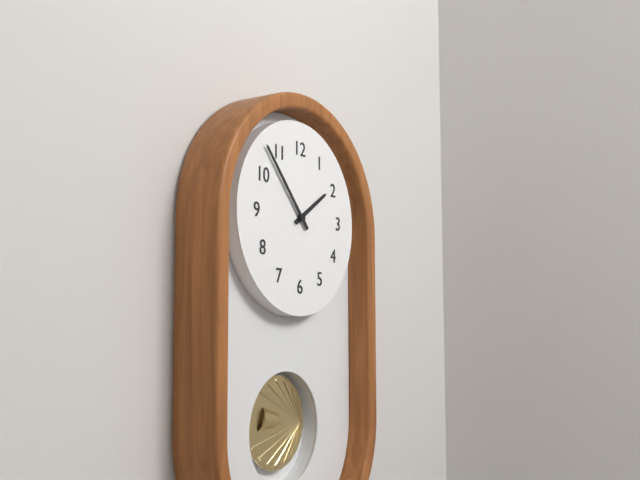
{"hour": 1, "minute": 53}
